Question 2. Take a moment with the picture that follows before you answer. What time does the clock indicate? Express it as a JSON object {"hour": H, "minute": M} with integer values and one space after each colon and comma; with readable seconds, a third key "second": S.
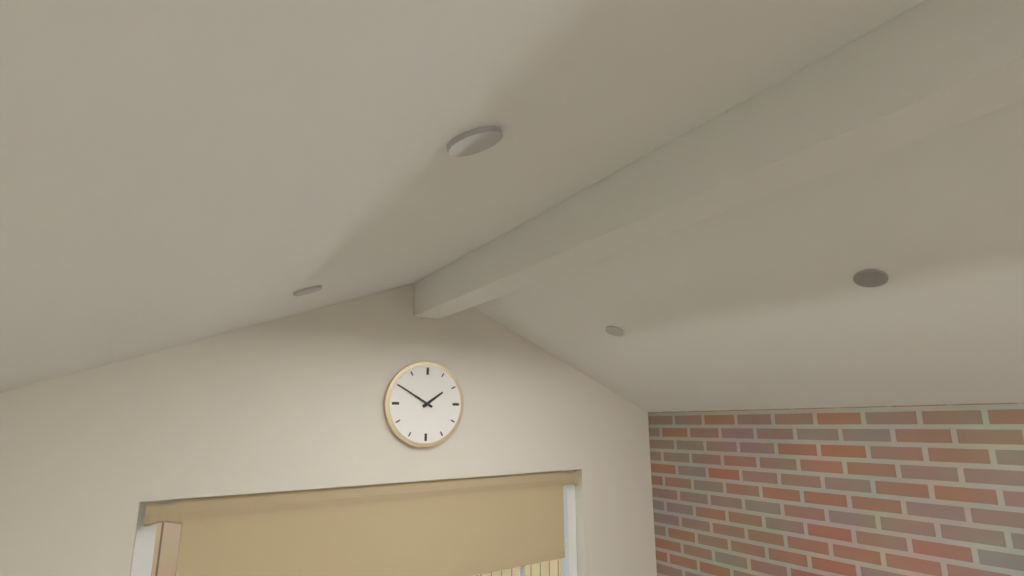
{"hour": 1, "minute": 50}
